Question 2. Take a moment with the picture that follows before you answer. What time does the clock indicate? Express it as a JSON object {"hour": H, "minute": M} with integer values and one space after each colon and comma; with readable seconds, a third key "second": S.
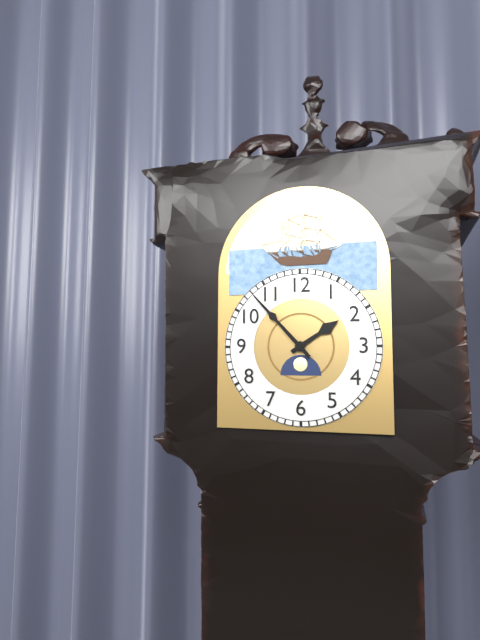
{"hour": 1, "minute": 53}
